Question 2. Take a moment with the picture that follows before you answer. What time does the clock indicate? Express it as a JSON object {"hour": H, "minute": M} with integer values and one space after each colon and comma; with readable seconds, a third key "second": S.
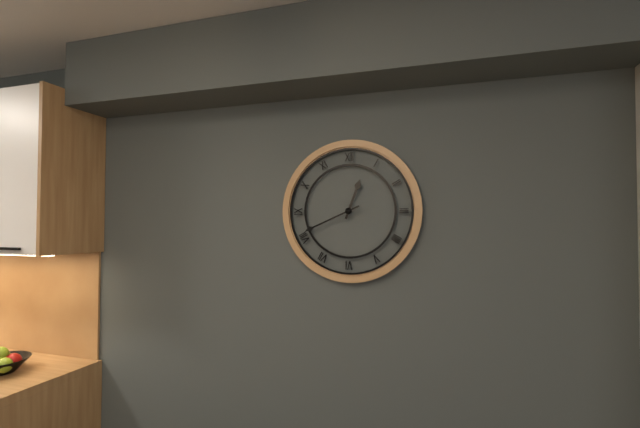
{"hour": 12, "minute": 41}
